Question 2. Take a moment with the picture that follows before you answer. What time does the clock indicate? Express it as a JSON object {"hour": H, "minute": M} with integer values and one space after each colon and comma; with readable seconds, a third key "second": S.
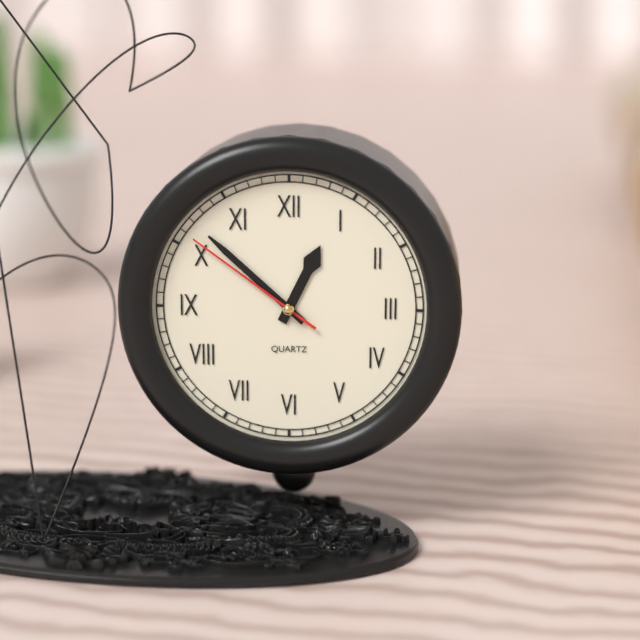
{"hour": 12, "minute": 52, "second": 51}
